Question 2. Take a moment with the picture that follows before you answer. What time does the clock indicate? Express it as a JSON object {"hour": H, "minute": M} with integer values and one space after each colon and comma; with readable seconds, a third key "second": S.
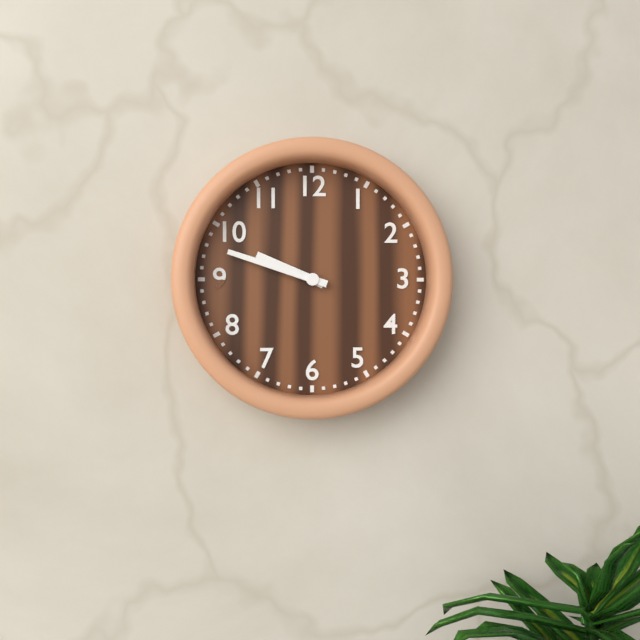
{"hour": 9, "minute": 48}
